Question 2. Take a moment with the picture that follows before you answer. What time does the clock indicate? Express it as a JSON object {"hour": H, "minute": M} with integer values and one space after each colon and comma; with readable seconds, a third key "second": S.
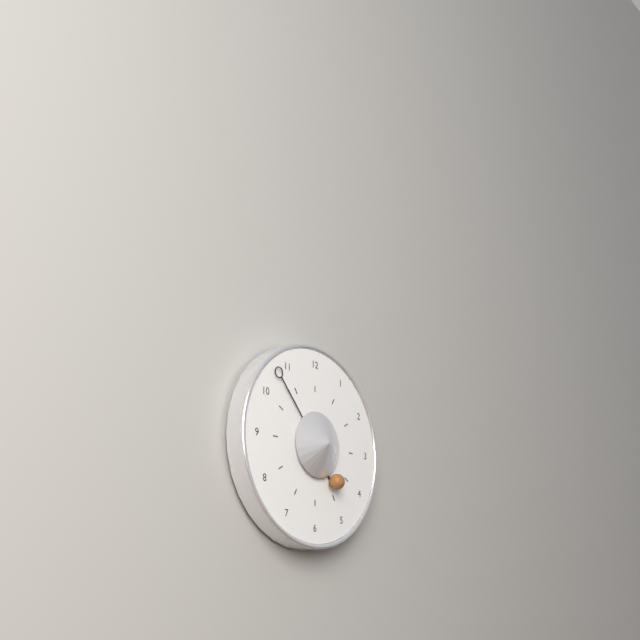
{"hour": 4, "minute": 53}
